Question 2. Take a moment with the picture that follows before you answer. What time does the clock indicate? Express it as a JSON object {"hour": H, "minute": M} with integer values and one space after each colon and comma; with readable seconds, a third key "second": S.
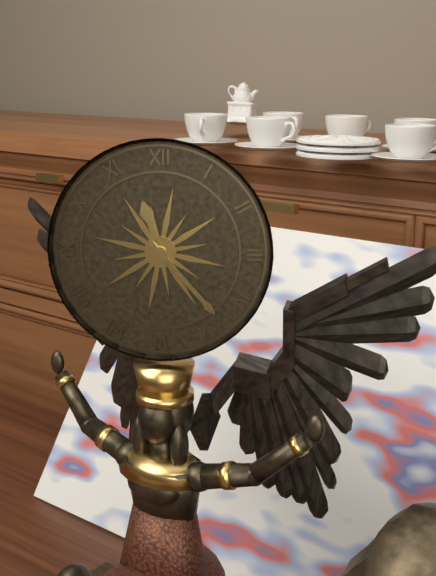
{"hour": 11, "minute": 23}
